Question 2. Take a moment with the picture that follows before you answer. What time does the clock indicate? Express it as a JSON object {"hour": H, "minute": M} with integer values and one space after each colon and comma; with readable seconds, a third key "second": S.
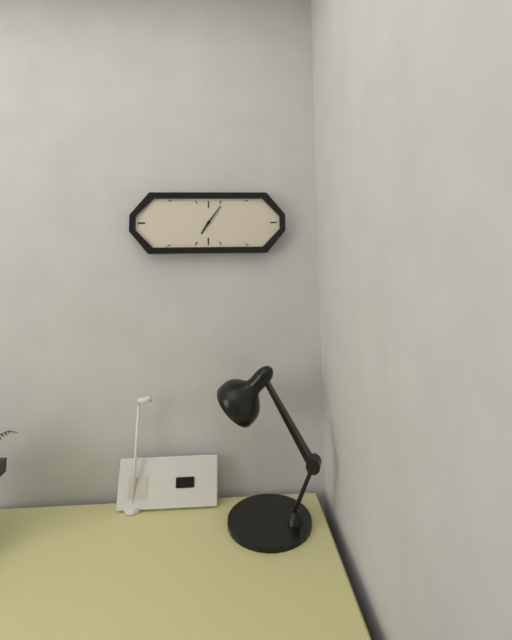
{"hour": 7, "minute": 6}
